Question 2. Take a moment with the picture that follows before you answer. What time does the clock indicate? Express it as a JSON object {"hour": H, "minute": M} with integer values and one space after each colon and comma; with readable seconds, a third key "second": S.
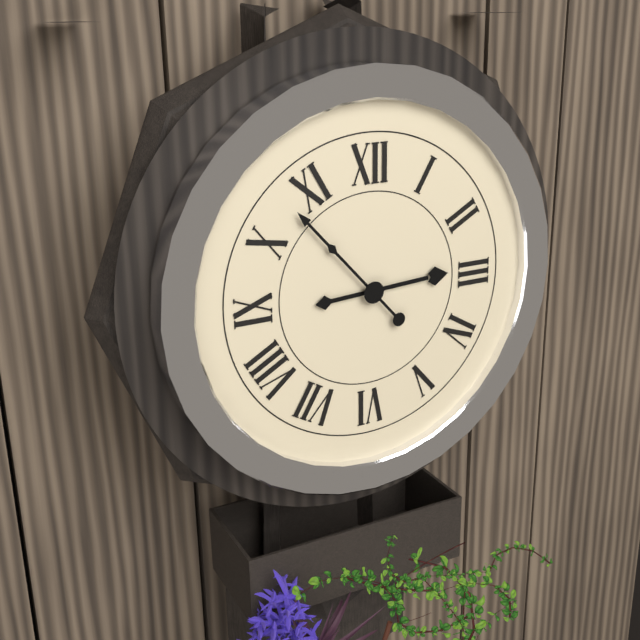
{"hour": 2, "minute": 53}
